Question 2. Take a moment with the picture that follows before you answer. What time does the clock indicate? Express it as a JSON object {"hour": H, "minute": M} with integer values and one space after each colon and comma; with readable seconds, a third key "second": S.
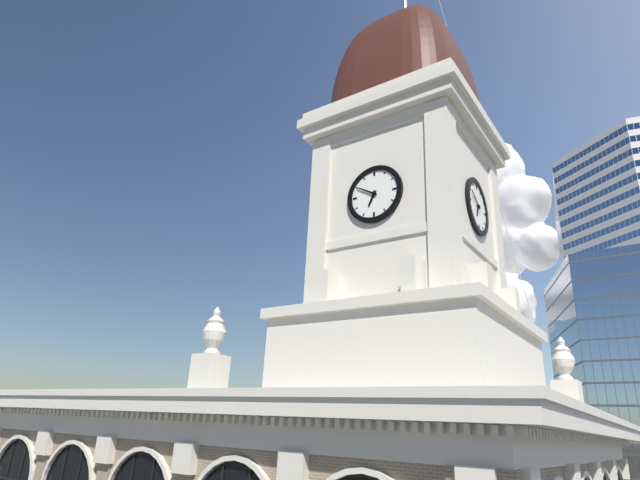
{"hour": 6, "minute": 50}
